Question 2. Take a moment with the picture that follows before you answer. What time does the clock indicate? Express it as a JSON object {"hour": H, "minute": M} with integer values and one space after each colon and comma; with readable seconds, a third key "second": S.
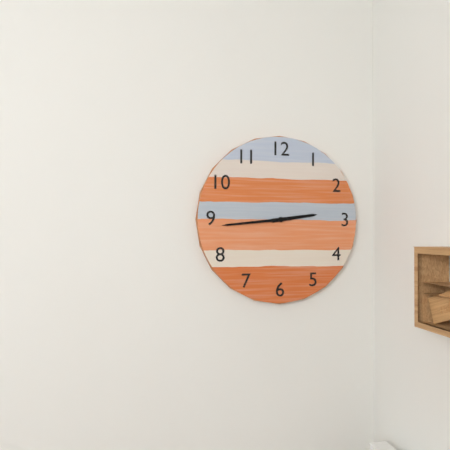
{"hour": 2, "minute": 44}
